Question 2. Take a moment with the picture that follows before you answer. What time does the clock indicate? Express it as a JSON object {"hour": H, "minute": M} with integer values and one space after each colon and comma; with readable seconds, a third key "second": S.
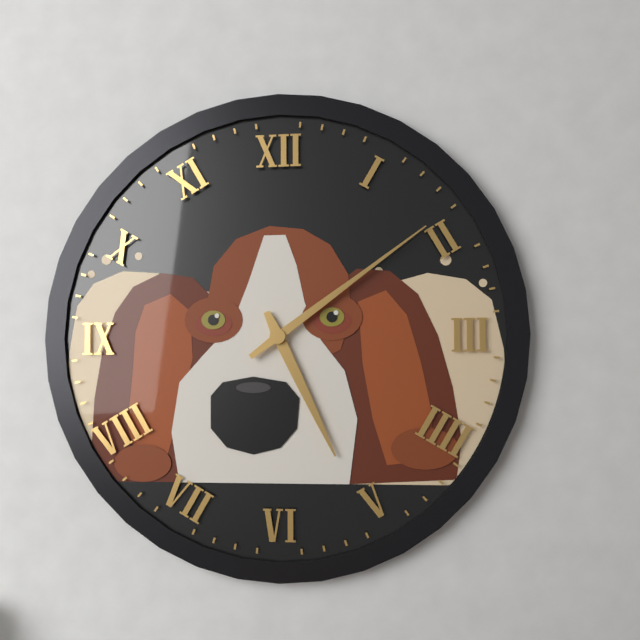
{"hour": 5, "minute": 9}
